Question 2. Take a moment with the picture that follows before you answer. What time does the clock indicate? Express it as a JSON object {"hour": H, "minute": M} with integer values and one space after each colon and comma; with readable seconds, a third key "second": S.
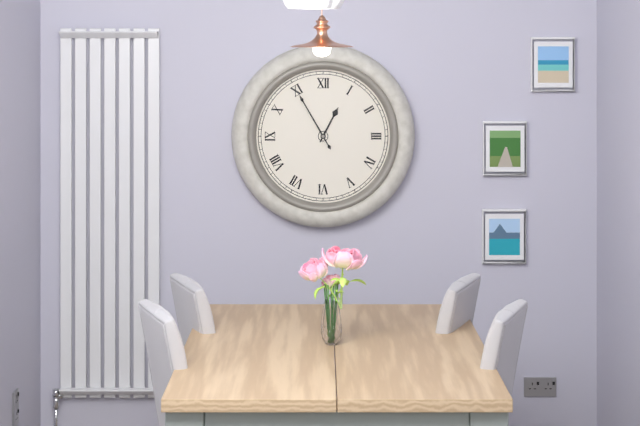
{"hour": 12, "minute": 55}
